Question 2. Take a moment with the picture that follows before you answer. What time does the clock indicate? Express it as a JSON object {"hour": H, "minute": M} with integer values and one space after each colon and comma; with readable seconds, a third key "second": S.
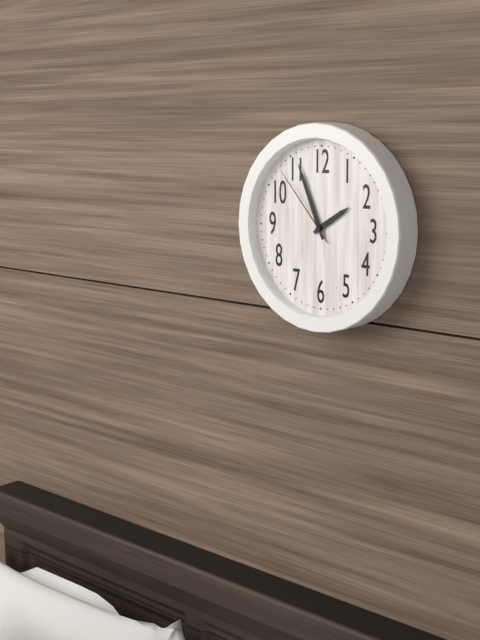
{"hour": 1, "minute": 56, "second": 53}
